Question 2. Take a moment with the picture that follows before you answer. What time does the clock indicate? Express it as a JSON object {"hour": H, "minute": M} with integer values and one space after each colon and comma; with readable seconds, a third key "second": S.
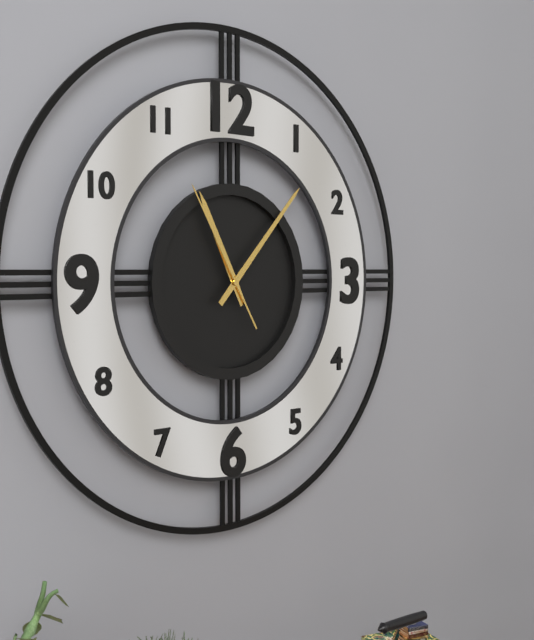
{"hour": 11, "minute": 7, "second": 55}
